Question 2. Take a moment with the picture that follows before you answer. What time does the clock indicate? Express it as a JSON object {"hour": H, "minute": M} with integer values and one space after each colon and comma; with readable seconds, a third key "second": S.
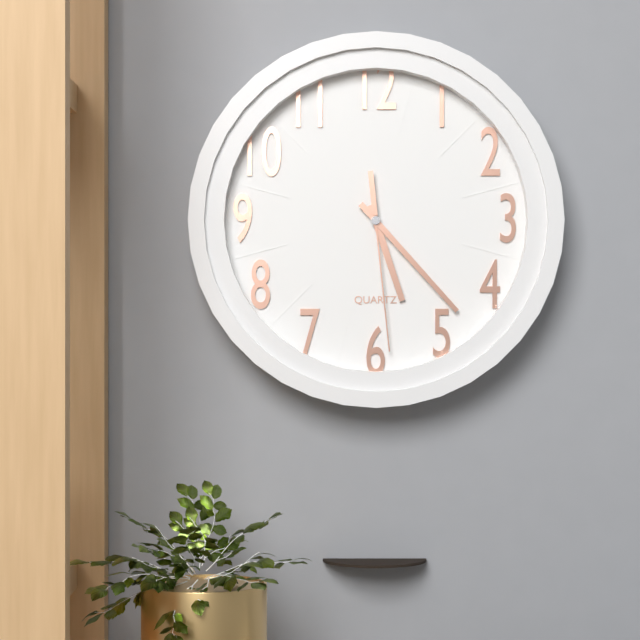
{"hour": 5, "minute": 23, "second": 29}
